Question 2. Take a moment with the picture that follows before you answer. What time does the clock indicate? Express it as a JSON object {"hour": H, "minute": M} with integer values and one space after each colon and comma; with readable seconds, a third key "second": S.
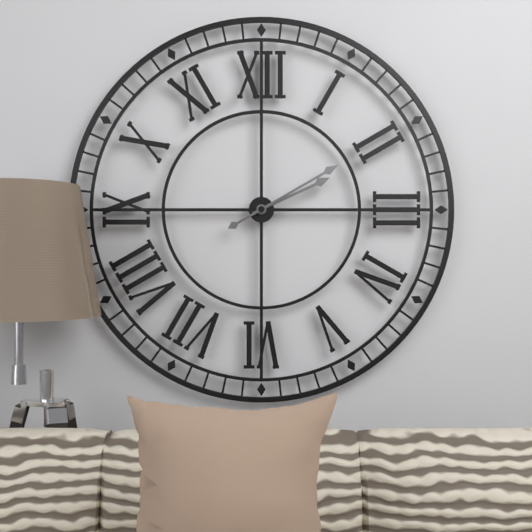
{"hour": 2, "minute": 10}
